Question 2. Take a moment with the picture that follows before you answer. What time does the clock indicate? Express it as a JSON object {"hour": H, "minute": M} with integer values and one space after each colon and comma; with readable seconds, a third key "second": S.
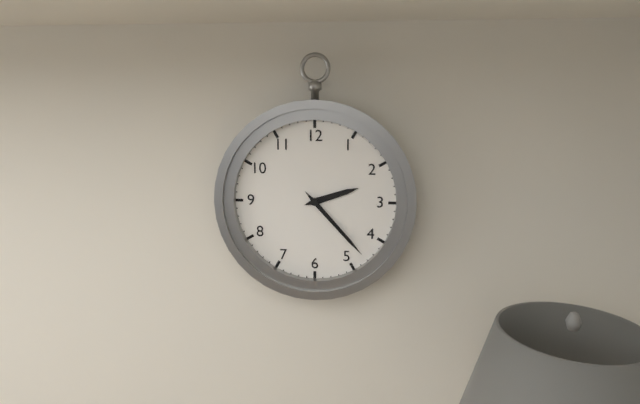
{"hour": 2, "minute": 23}
